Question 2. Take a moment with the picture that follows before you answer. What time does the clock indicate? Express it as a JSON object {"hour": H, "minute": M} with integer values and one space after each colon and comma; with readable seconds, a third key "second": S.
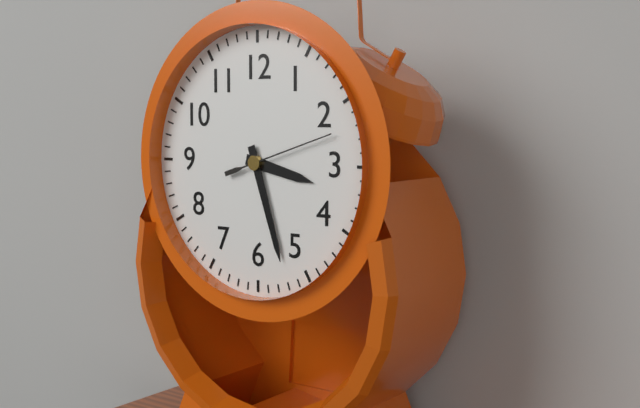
{"hour": 3, "minute": 27, "second": 12}
